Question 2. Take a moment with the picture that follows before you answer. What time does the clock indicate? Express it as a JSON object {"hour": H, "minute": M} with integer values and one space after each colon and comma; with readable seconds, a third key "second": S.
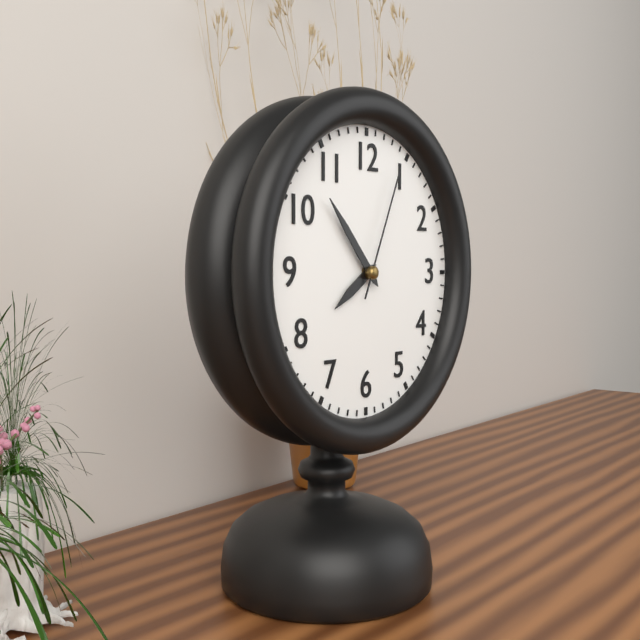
{"hour": 7, "minute": 53, "second": 4}
